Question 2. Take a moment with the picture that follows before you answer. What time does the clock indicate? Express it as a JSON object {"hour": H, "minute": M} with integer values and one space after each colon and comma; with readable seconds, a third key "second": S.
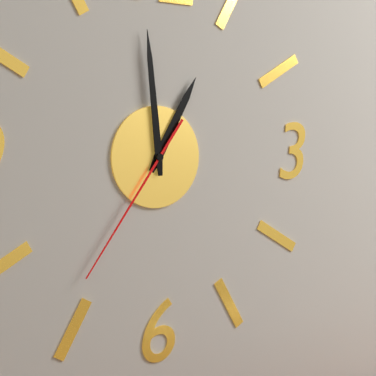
{"hour": 12, "minute": 59, "second": 36}
